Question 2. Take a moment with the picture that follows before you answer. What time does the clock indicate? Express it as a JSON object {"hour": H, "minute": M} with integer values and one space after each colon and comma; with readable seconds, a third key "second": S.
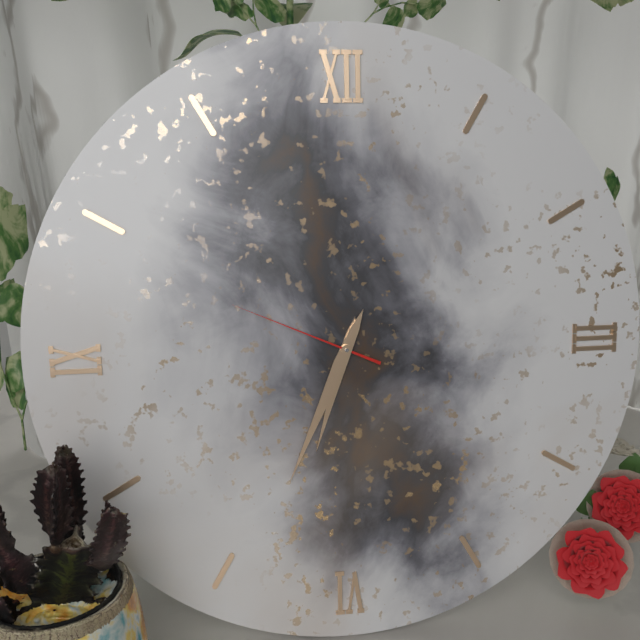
{"hour": 6, "minute": 34, "second": 49}
